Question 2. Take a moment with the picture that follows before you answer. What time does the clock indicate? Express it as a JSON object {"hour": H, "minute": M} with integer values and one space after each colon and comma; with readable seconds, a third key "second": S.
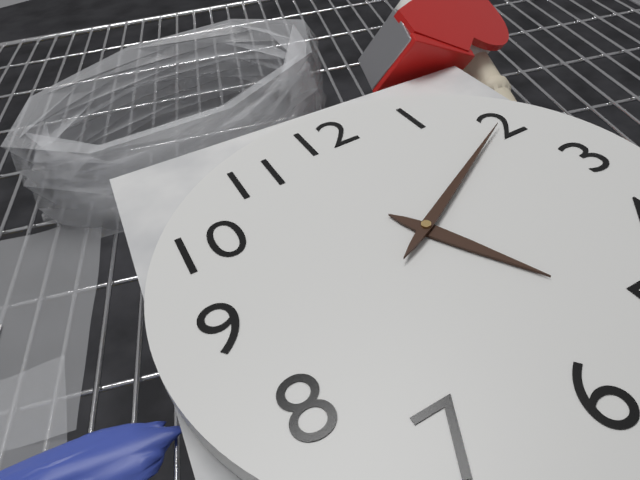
{"hour": 5, "minute": 10}
